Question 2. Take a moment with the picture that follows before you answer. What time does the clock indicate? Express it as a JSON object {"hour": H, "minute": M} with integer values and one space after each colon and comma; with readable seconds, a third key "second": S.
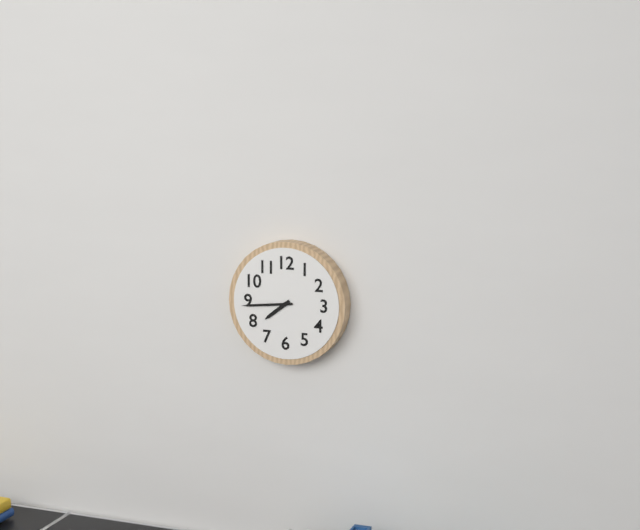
{"hour": 7, "minute": 44}
